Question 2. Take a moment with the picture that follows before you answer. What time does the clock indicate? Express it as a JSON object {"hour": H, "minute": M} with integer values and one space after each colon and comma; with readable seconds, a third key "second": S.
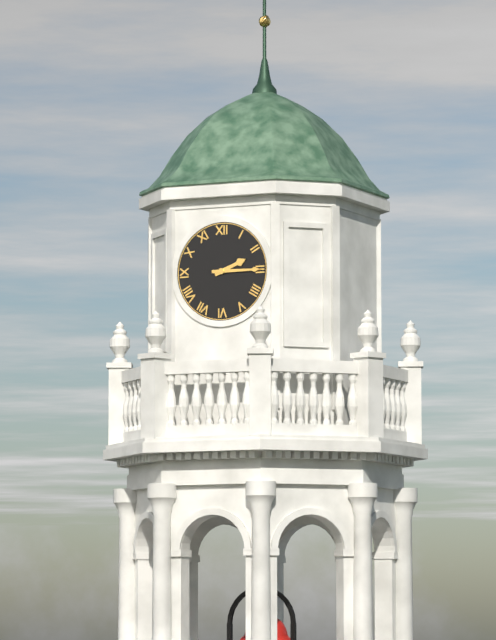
{"hour": 2, "minute": 15}
